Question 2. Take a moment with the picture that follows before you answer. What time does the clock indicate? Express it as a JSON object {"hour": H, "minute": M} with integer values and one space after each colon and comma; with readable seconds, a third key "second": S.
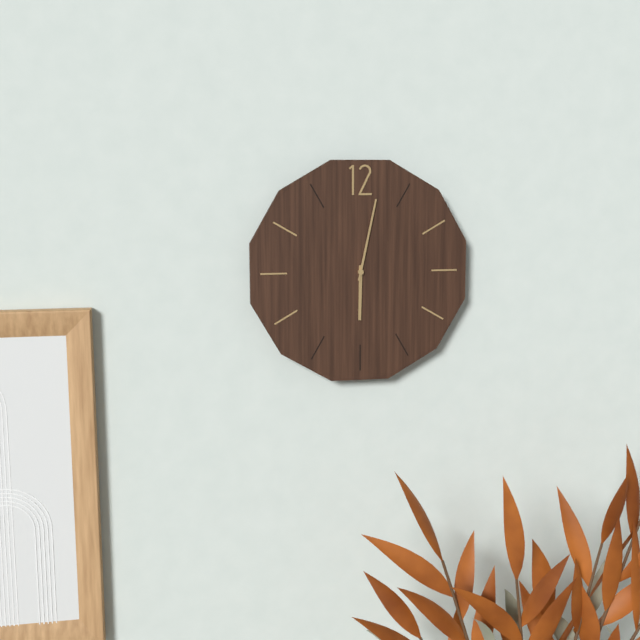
{"hour": 6, "minute": 2}
